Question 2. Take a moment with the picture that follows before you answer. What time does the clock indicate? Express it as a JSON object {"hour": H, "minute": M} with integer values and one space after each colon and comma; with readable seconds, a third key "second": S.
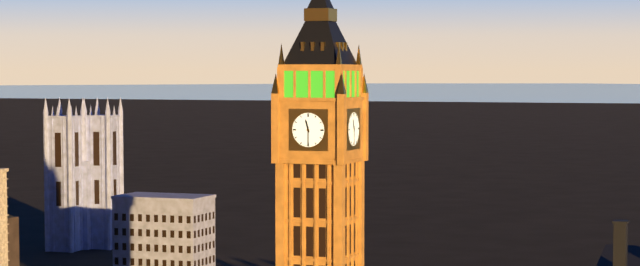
{"hour": 11, "minute": 30}
